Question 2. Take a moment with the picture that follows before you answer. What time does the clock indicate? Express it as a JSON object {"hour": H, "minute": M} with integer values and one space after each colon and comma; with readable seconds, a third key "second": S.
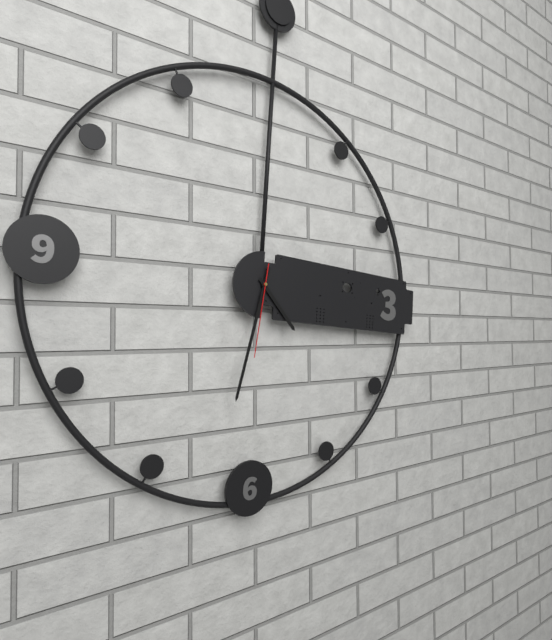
{"hour": 4, "minute": 32, "second": 31}
